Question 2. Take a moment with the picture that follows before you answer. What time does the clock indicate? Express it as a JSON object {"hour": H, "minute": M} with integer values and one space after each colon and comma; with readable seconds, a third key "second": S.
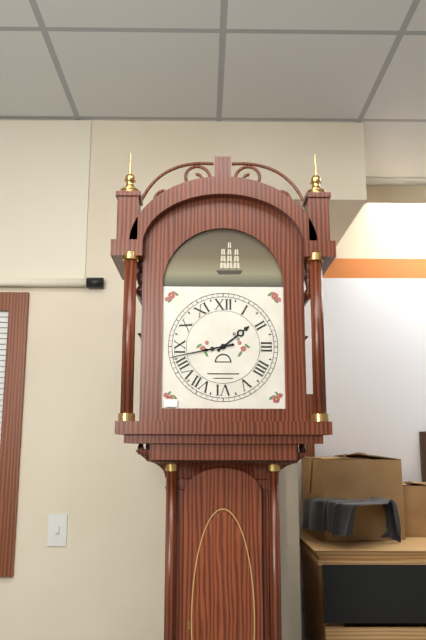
{"hour": 1, "minute": 43}
